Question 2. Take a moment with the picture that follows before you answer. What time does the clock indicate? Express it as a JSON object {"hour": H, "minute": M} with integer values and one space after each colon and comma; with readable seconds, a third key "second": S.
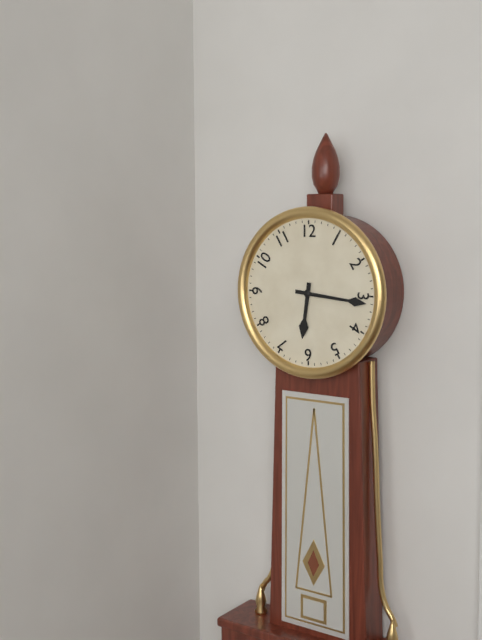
{"hour": 6, "minute": 16}
